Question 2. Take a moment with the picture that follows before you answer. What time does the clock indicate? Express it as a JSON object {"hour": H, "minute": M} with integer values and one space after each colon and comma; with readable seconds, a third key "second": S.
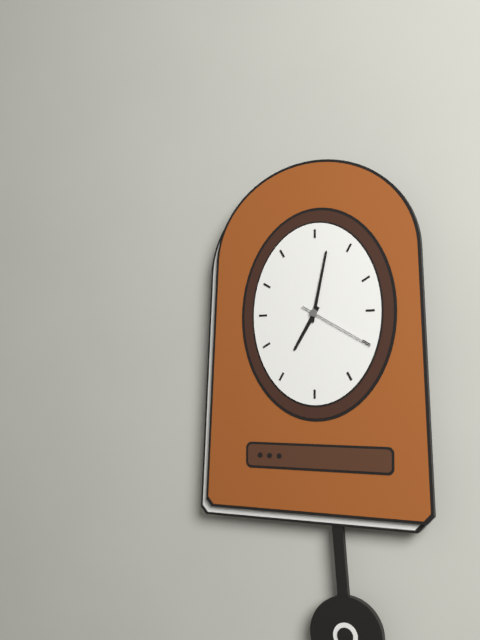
{"hour": 7, "minute": 2, "second": 20}
